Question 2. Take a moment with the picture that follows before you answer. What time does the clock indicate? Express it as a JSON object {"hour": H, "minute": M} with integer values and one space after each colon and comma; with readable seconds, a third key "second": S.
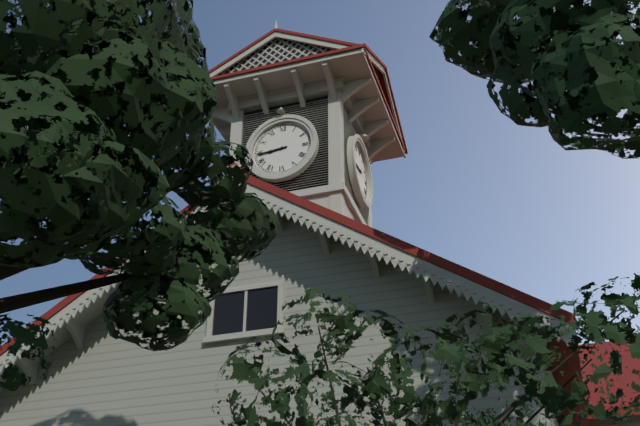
{"hour": 8, "minute": 44}
